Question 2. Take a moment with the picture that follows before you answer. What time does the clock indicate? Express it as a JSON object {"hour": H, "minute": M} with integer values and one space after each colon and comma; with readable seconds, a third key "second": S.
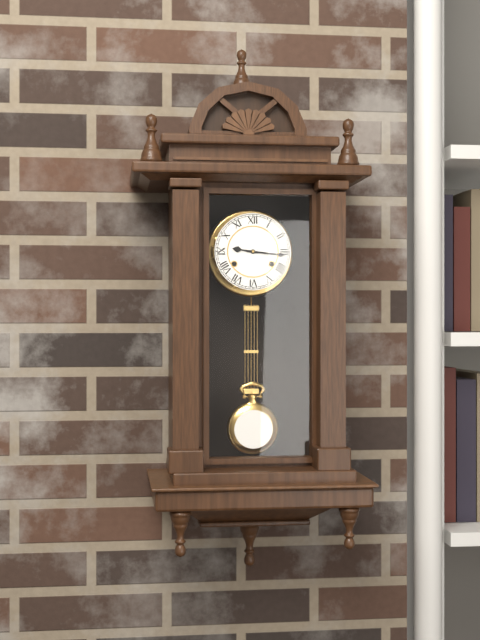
{"hour": 9, "minute": 16}
